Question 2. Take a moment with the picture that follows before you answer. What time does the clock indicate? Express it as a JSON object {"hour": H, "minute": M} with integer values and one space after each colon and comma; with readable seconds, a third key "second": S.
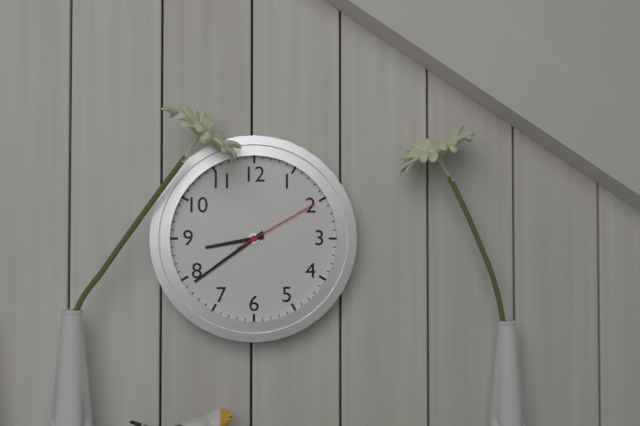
{"hour": 8, "minute": 39, "second": 10}
